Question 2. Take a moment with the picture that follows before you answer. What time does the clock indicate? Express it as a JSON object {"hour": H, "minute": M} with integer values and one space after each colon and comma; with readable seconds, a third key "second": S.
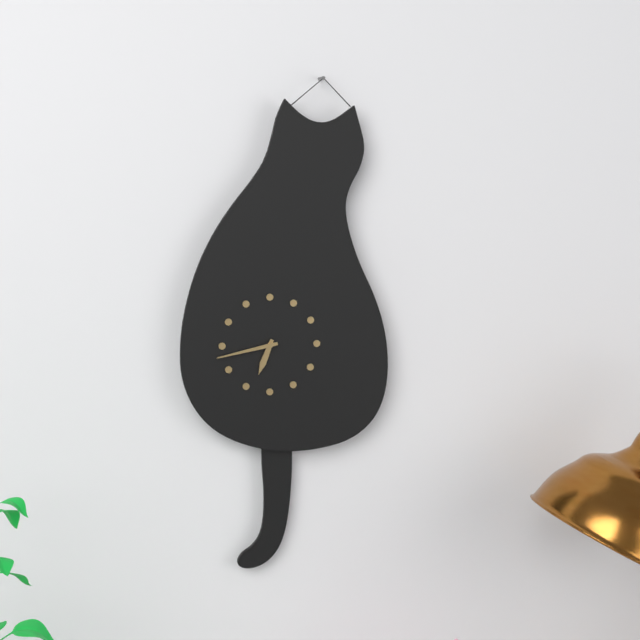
{"hour": 6, "minute": 43}
